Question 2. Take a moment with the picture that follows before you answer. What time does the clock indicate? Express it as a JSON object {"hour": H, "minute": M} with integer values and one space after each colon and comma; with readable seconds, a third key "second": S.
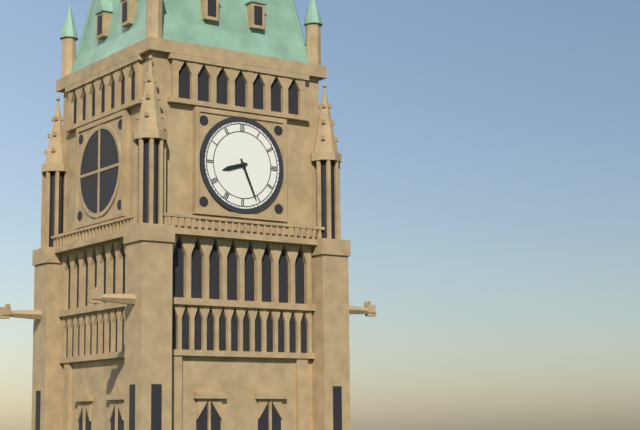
{"hour": 8, "minute": 26}
